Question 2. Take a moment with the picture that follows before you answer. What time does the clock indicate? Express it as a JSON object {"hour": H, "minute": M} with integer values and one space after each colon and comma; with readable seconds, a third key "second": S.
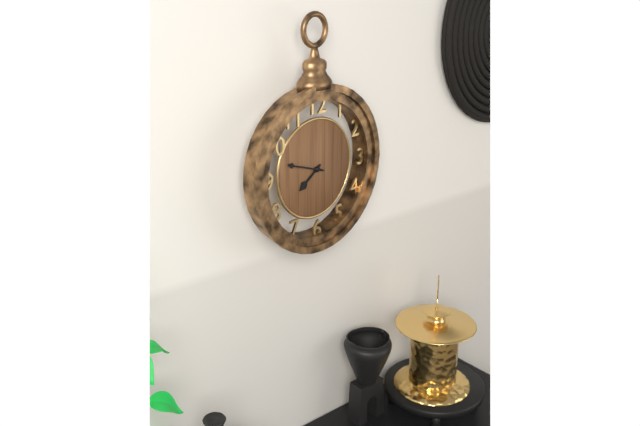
{"hour": 7, "minute": 48}
